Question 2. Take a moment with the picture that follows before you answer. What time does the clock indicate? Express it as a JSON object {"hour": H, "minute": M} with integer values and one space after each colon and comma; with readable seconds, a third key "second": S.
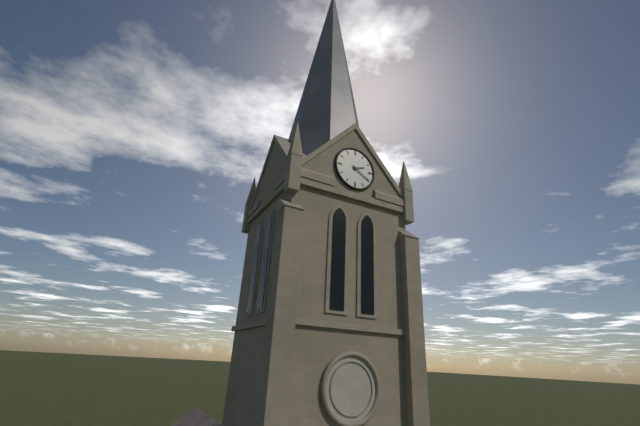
{"hour": 2, "minute": 20}
